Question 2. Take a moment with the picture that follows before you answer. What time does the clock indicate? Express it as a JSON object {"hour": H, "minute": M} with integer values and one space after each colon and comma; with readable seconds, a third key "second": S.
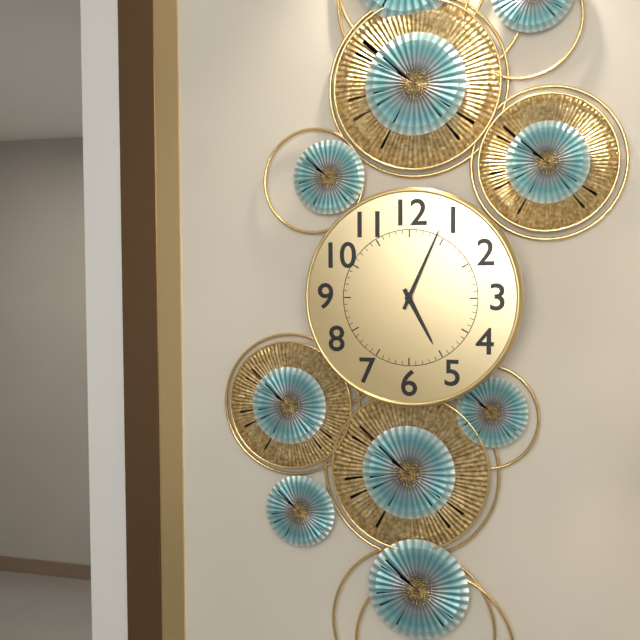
{"hour": 5, "minute": 4}
